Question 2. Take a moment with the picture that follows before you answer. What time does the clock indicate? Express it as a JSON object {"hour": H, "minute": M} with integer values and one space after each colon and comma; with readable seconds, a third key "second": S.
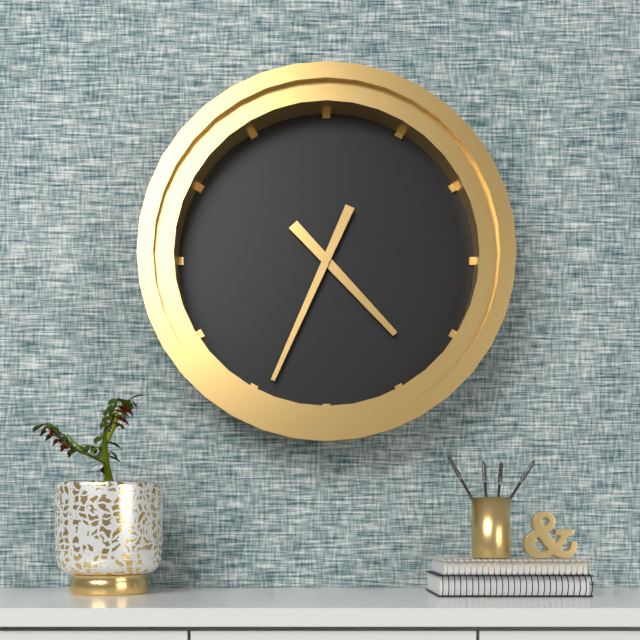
{"hour": 4, "minute": 34}
